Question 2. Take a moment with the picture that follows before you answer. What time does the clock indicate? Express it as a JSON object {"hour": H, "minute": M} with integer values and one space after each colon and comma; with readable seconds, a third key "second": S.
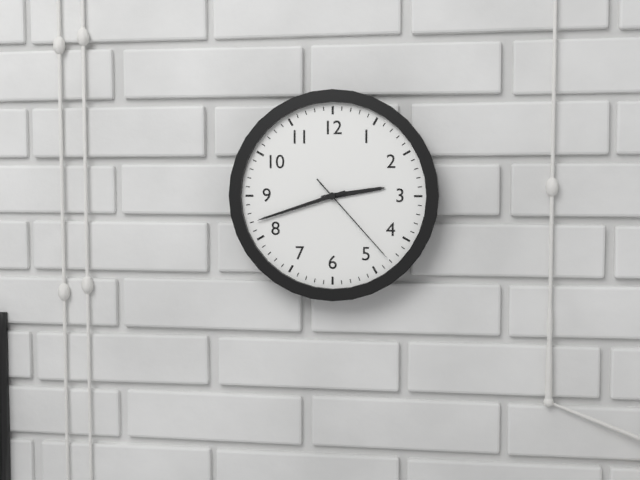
{"hour": 2, "minute": 42, "second": 23}
